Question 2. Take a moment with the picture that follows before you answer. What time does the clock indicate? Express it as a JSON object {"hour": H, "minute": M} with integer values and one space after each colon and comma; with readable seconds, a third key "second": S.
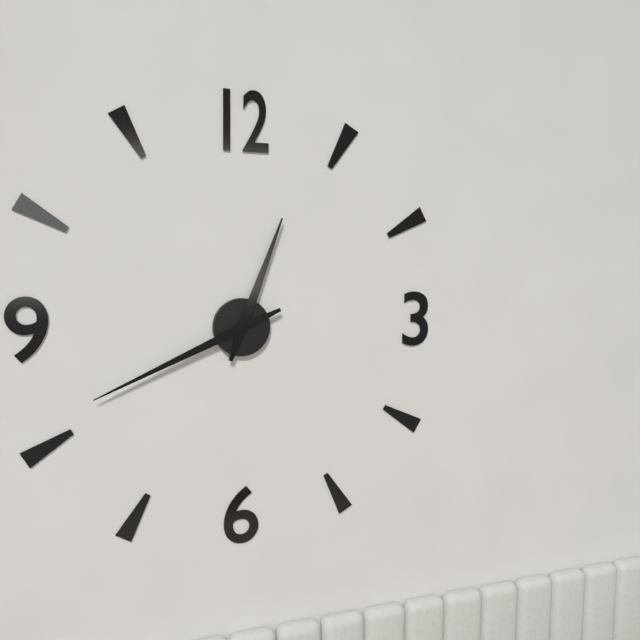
{"hour": 12, "minute": 41}
